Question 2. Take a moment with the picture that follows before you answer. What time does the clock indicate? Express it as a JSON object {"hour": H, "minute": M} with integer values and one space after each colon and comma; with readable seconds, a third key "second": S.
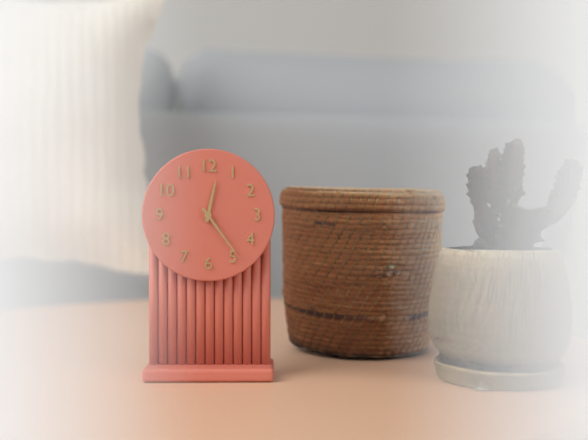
{"hour": 12, "minute": 24}
